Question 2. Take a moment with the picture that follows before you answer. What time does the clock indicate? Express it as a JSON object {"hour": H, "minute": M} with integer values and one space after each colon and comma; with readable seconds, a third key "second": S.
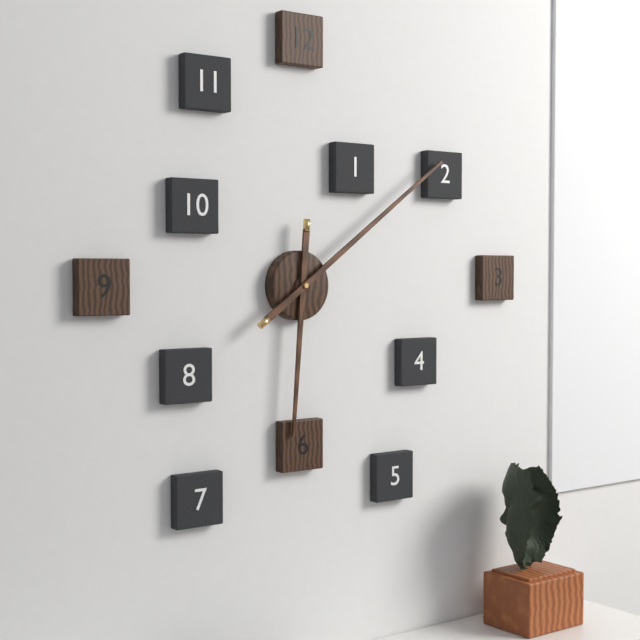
{"hour": 6, "minute": 9}
